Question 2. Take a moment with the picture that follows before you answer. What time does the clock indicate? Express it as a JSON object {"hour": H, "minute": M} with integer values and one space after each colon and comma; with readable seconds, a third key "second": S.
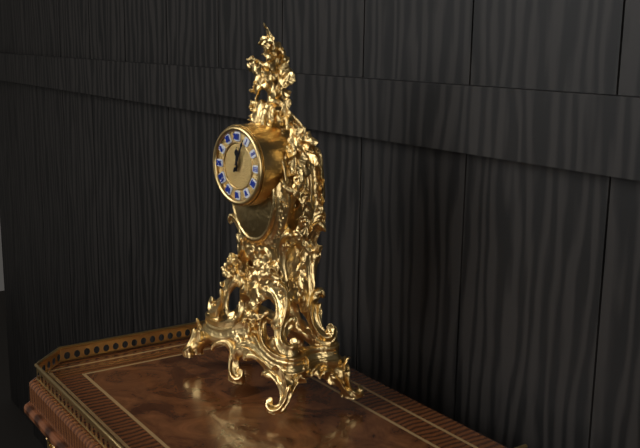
{"hour": 12, "minute": 4}
